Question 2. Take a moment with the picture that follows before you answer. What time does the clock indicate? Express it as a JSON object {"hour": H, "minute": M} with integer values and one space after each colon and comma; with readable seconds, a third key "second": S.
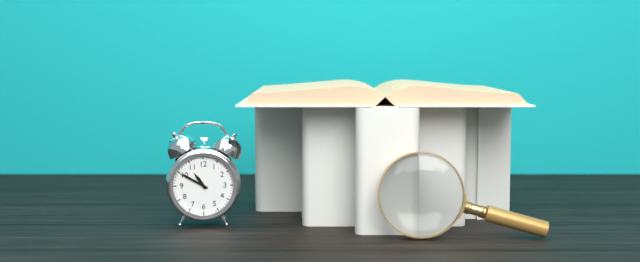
{"hour": 10, "minute": 50}
